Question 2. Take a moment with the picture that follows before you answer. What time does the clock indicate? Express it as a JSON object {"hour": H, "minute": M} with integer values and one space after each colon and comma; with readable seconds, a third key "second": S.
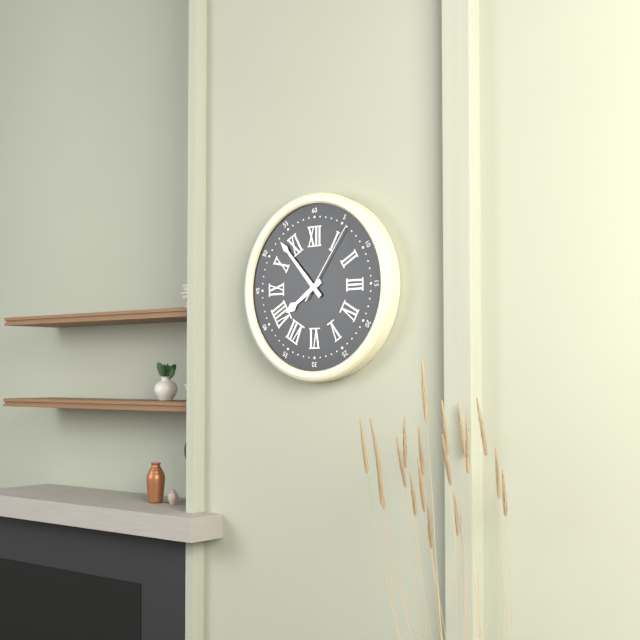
{"hour": 7, "minute": 53, "second": 6}
